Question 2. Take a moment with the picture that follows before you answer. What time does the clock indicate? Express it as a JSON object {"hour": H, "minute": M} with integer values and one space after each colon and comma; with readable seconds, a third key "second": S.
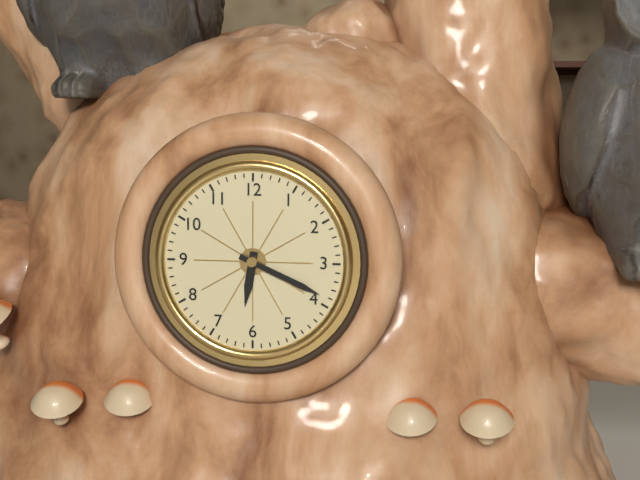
{"hour": 6, "minute": 19}
